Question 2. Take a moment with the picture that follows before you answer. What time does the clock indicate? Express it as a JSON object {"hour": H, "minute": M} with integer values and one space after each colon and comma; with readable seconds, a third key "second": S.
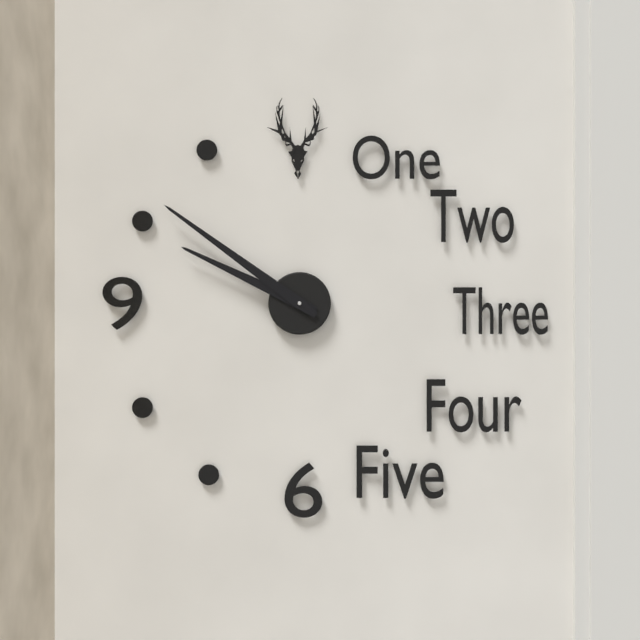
{"hour": 9, "minute": 51}
